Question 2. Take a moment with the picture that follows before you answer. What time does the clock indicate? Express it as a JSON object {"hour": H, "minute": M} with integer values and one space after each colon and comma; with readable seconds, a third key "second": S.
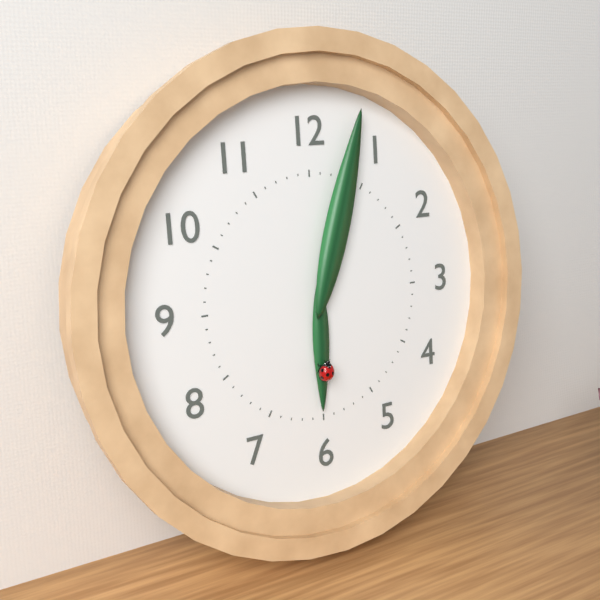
{"hour": 6, "minute": 3}
